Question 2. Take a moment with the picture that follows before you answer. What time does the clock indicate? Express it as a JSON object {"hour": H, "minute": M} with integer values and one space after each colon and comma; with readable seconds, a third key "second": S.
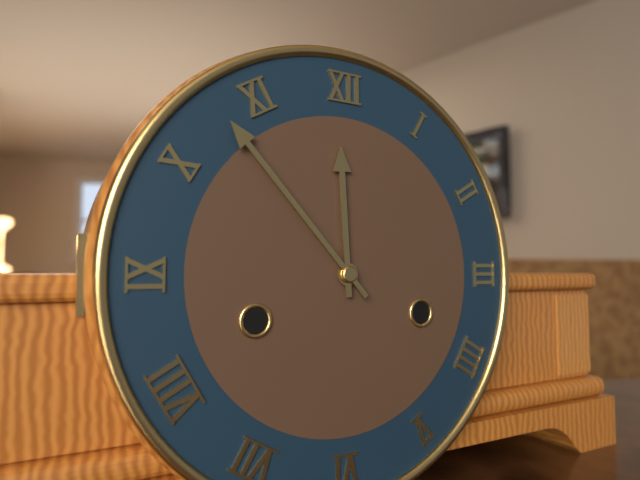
{"hour": 11, "minute": 53}
